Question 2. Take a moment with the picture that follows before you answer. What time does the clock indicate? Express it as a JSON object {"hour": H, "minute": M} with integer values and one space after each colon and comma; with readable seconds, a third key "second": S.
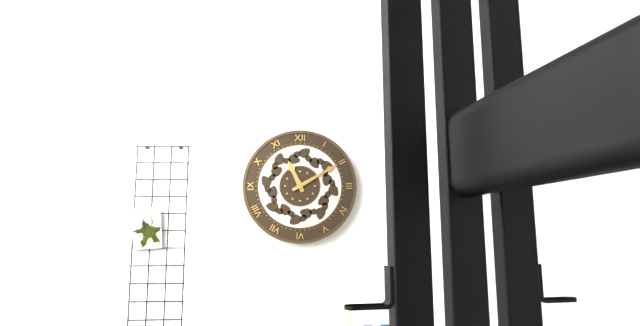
{"hour": 11, "minute": 10}
